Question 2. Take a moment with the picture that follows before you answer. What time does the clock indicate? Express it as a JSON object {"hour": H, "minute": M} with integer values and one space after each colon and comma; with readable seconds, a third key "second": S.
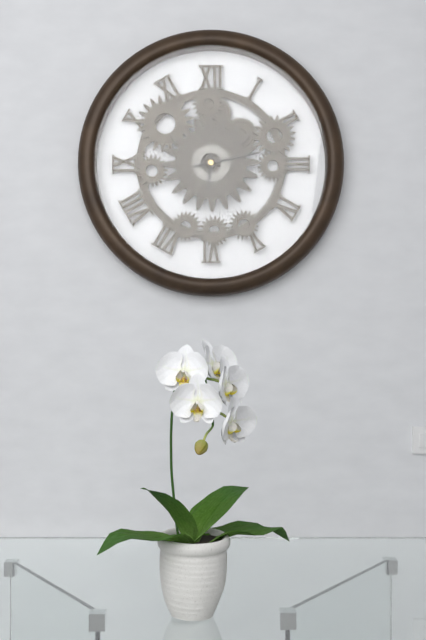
{"hour": 6, "minute": 13}
